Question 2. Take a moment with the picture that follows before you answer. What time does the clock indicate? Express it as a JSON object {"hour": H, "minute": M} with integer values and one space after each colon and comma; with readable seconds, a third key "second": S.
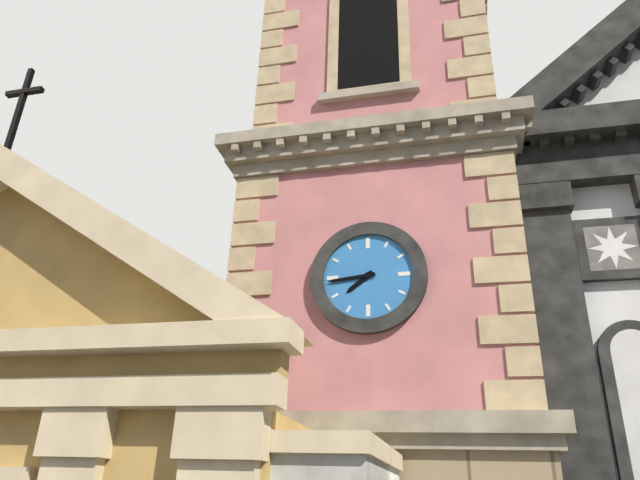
{"hour": 7, "minute": 44}
